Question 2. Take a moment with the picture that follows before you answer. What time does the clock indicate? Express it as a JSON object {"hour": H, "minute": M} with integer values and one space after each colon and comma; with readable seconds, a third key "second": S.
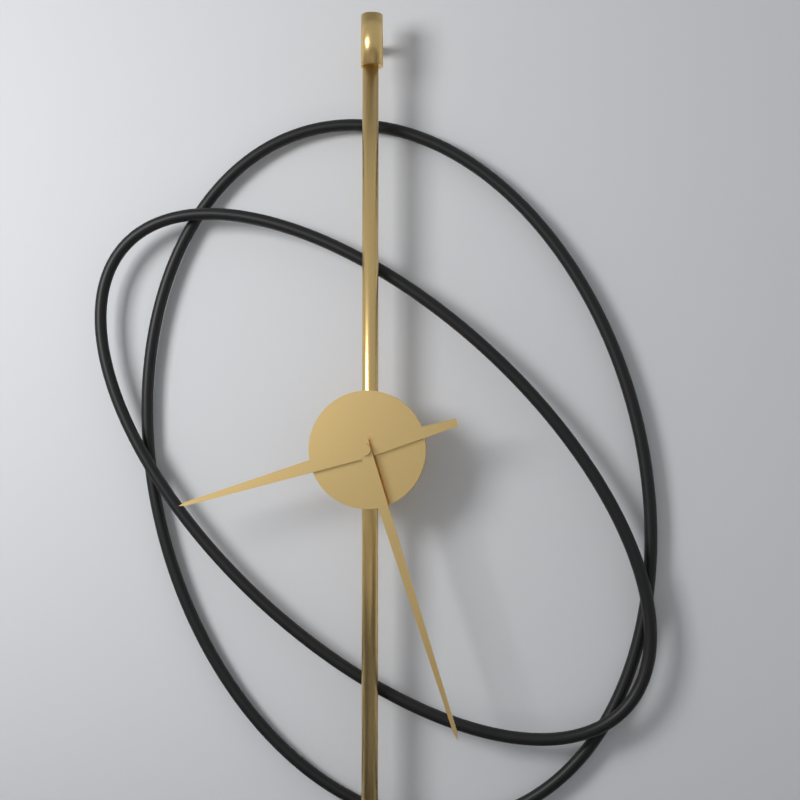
{"hour": 8, "minute": 27}
